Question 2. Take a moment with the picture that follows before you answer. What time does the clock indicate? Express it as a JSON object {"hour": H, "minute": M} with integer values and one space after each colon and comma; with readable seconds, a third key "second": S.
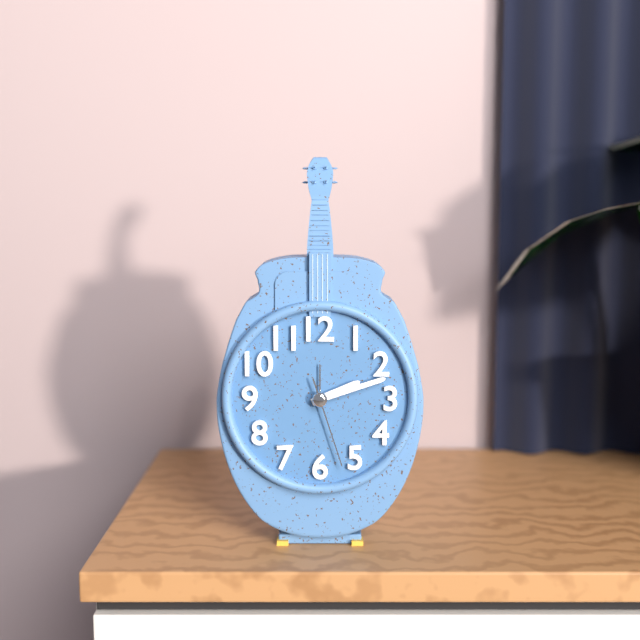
{"hour": 2, "minute": 12, "second": 27}
